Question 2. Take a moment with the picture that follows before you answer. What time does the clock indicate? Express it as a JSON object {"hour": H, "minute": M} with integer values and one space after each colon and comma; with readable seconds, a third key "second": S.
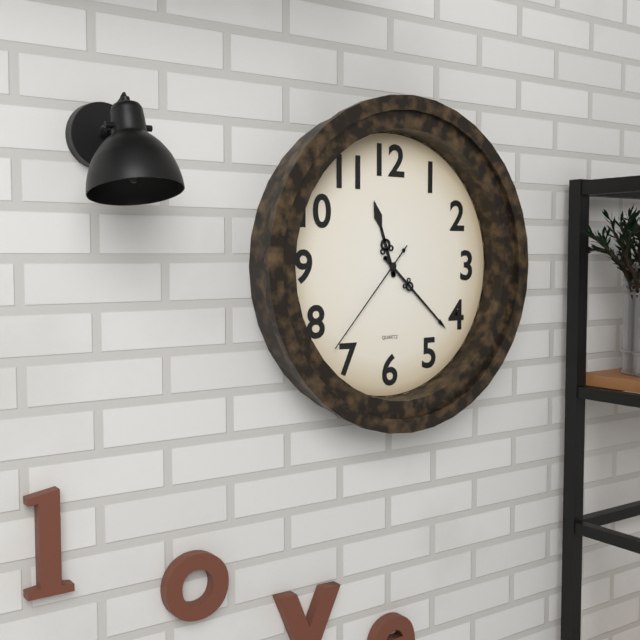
{"hour": 11, "minute": 22, "second": 37}
